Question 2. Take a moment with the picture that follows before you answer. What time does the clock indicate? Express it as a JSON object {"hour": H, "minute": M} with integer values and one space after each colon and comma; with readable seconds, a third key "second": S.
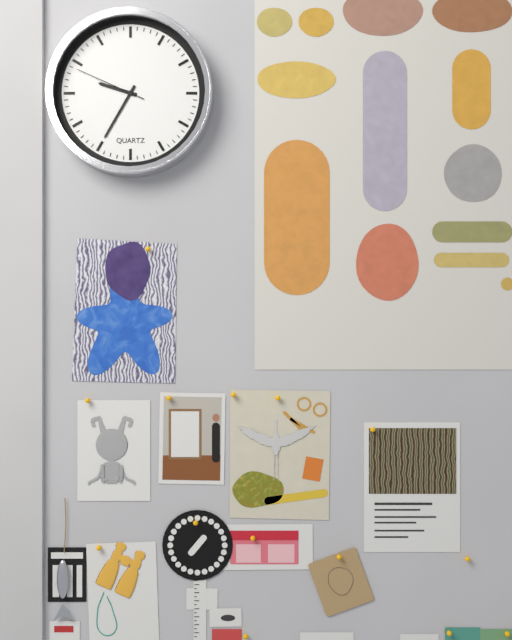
{"hour": 9, "minute": 35, "second": 49}
